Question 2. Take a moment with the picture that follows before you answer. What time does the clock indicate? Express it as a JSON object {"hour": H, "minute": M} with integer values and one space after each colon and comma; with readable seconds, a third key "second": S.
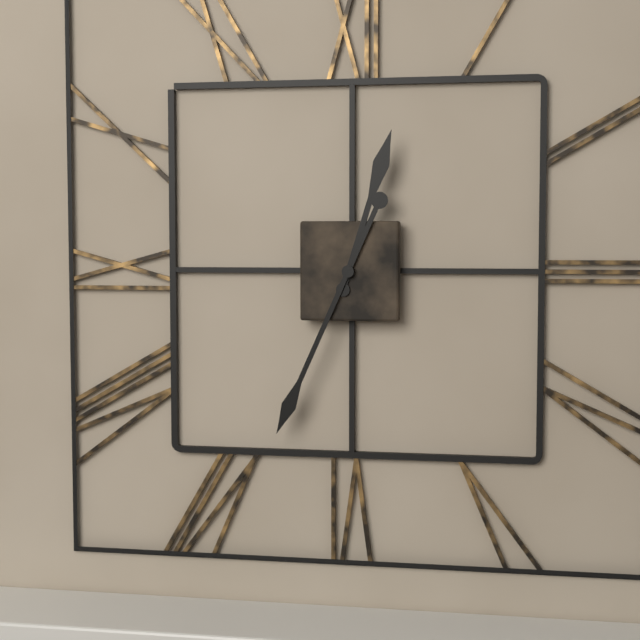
{"hour": 12, "minute": 34}
